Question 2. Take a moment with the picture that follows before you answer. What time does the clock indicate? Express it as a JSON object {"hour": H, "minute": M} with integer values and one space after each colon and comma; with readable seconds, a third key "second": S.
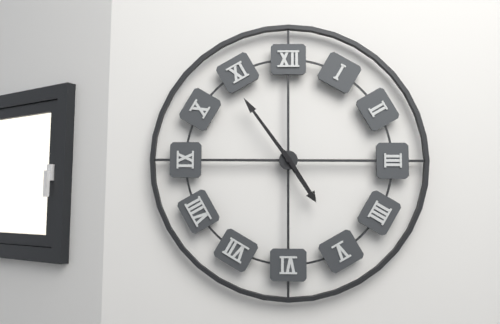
{"hour": 4, "minute": 54}
